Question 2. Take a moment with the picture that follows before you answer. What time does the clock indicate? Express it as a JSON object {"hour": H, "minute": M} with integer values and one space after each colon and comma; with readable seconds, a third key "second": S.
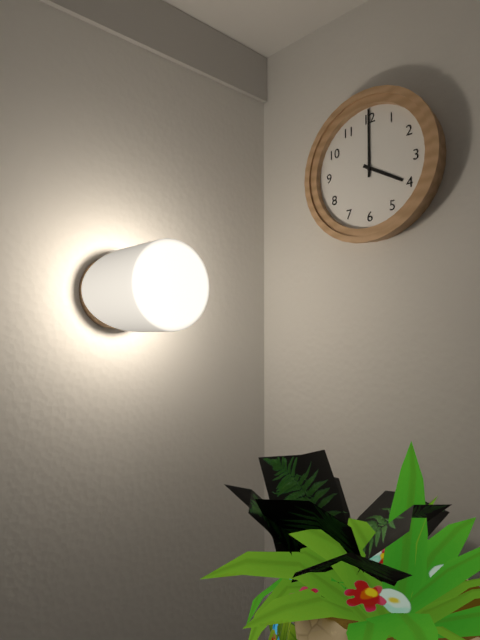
{"hour": 4, "minute": 0}
